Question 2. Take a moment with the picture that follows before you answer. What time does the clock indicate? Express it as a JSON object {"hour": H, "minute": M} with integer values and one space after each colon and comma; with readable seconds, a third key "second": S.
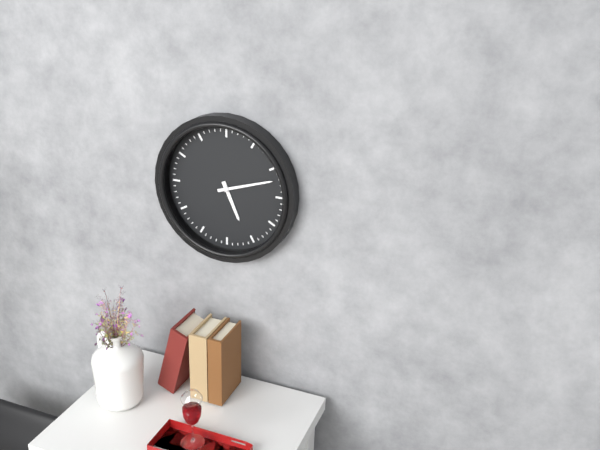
{"hour": 5, "minute": 12}
